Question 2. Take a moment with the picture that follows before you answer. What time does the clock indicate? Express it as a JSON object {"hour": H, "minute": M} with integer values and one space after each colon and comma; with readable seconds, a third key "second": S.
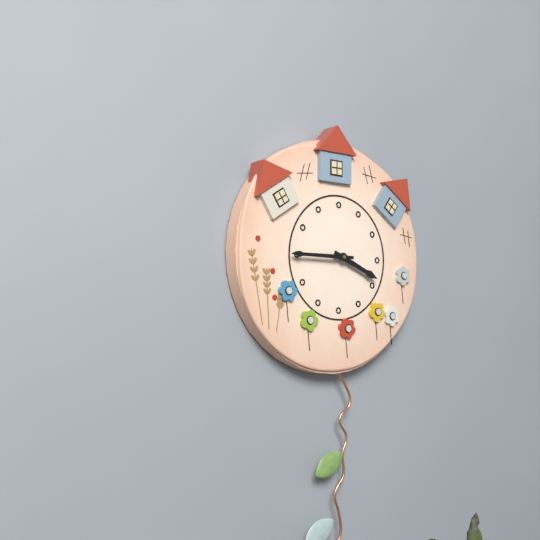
{"hour": 3, "minute": 45}
